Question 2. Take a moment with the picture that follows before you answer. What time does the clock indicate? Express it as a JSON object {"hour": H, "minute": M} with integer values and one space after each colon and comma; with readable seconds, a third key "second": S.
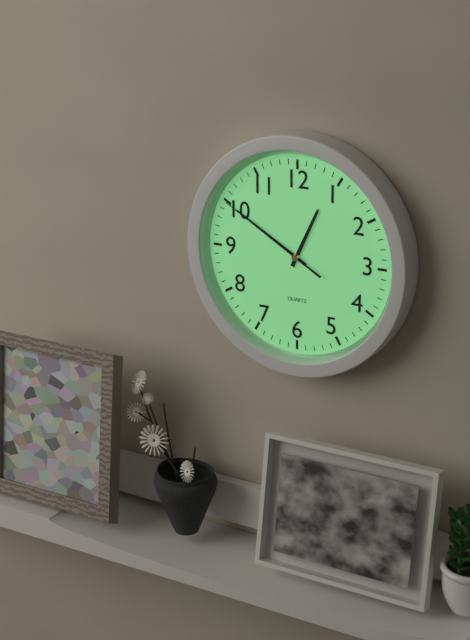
{"hour": 12, "minute": 50, "second": 50}
